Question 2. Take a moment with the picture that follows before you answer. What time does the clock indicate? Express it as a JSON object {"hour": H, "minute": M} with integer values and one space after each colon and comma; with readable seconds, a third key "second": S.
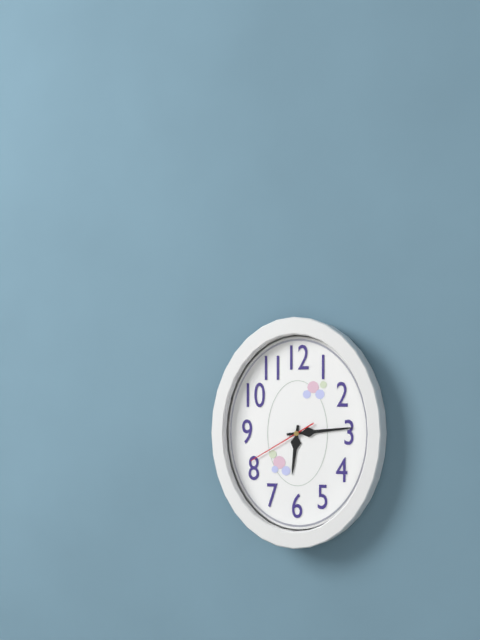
{"hour": 6, "minute": 14, "second": 40}
